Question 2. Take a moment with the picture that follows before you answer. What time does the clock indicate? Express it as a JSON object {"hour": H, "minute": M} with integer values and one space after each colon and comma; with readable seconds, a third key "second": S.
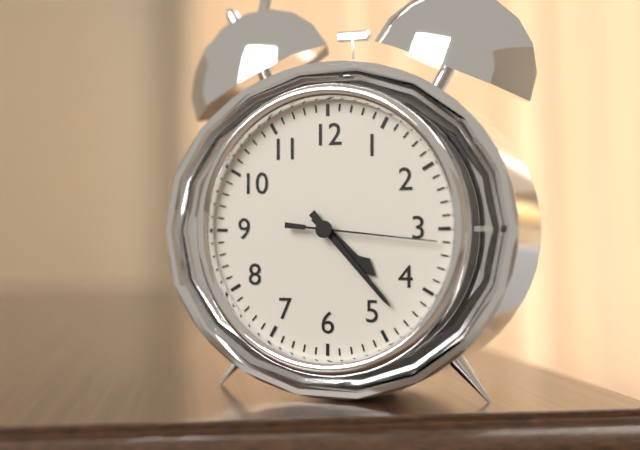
{"hour": 4, "minute": 23, "second": 16}
